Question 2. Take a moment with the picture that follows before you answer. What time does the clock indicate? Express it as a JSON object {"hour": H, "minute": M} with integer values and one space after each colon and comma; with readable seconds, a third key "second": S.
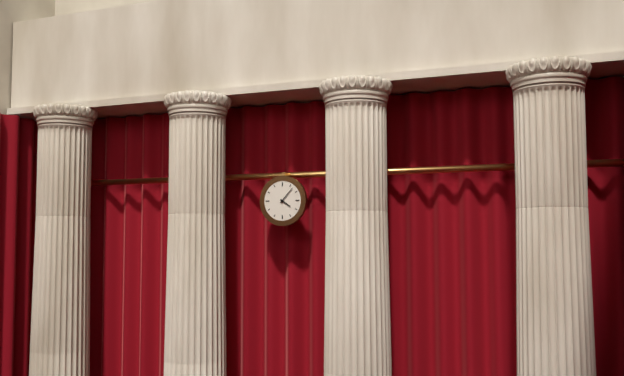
{"hour": 4, "minute": 7}
